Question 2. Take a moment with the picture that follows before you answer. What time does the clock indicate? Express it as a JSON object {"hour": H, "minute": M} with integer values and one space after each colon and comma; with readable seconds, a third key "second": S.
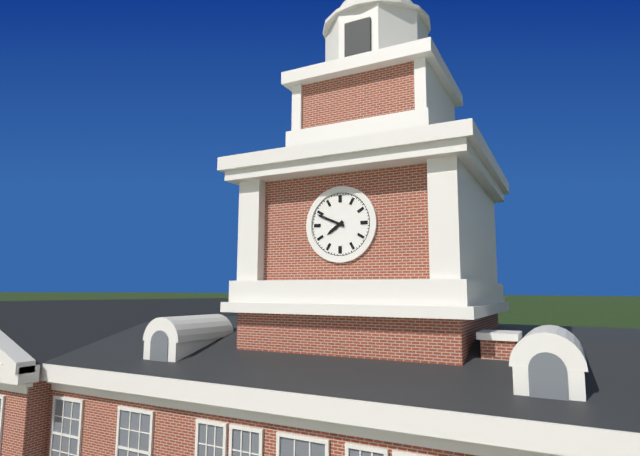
{"hour": 7, "minute": 49}
